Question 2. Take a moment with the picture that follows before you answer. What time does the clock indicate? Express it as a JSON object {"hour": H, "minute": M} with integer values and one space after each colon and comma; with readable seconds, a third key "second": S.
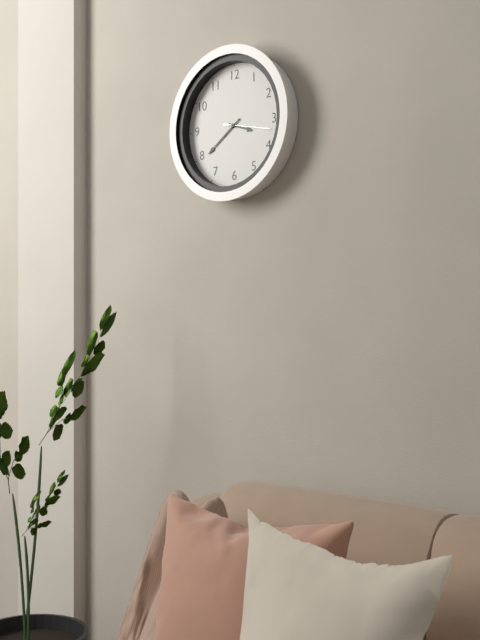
{"hour": 3, "minute": 39}
